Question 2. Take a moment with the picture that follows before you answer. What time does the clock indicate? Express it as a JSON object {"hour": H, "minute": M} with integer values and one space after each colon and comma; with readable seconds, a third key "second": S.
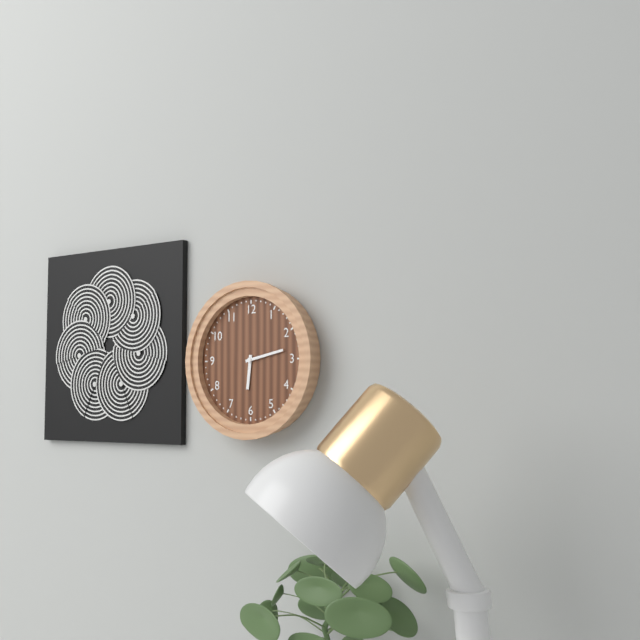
{"hour": 6, "minute": 13}
